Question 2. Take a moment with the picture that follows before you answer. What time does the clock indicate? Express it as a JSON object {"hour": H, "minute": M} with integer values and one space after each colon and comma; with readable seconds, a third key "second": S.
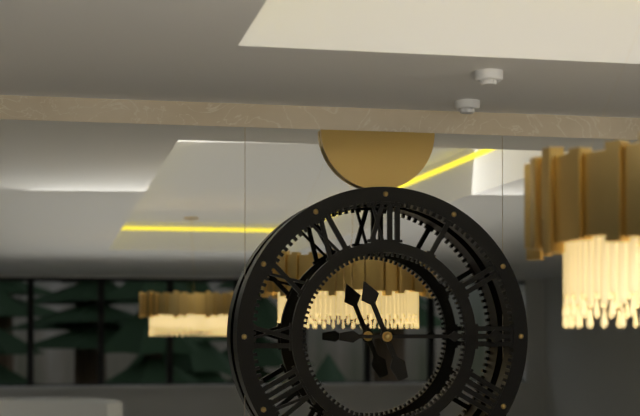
{"hour": 11, "minute": 15}
